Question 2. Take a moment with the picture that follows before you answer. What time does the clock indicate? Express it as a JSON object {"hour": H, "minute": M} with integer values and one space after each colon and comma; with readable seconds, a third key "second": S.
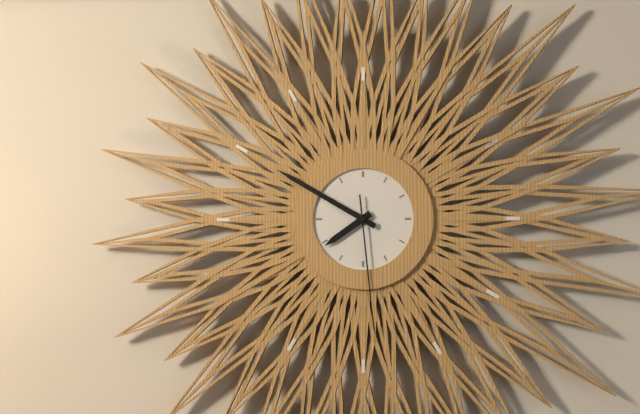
{"hour": 7, "minute": 50, "second": 29}
